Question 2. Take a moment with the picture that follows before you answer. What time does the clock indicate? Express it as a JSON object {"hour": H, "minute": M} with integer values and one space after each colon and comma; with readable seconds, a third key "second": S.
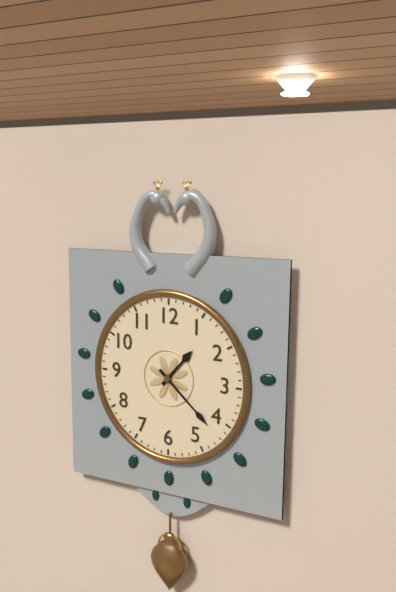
{"hour": 1, "minute": 22}
